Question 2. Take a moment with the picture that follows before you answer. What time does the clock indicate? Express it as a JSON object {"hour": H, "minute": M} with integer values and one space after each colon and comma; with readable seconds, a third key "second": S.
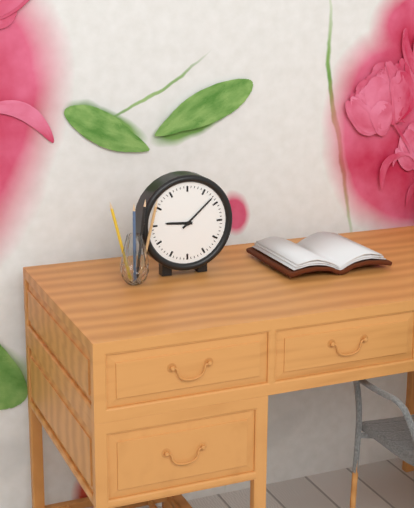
{"hour": 9, "minute": 8}
